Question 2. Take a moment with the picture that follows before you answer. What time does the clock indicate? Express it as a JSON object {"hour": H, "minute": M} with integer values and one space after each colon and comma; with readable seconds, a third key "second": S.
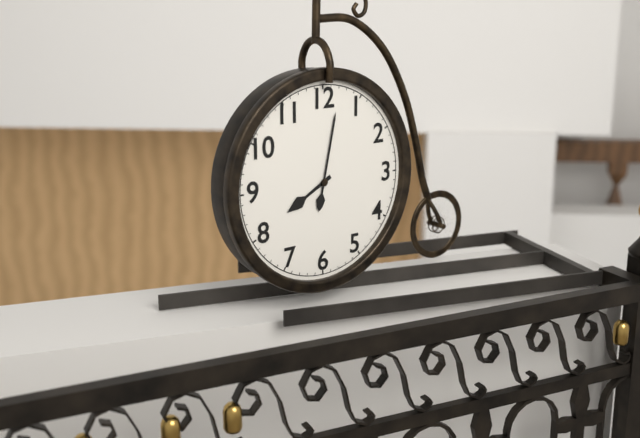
{"hour": 8, "minute": 2}
